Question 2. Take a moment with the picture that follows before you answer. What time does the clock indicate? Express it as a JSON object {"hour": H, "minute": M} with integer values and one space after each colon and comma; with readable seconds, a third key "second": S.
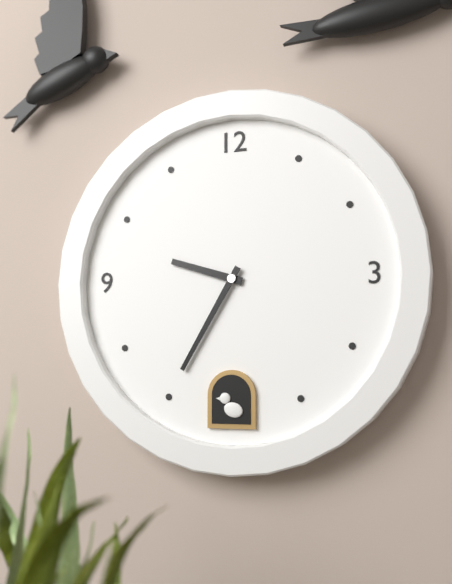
{"hour": 9, "minute": 35}
